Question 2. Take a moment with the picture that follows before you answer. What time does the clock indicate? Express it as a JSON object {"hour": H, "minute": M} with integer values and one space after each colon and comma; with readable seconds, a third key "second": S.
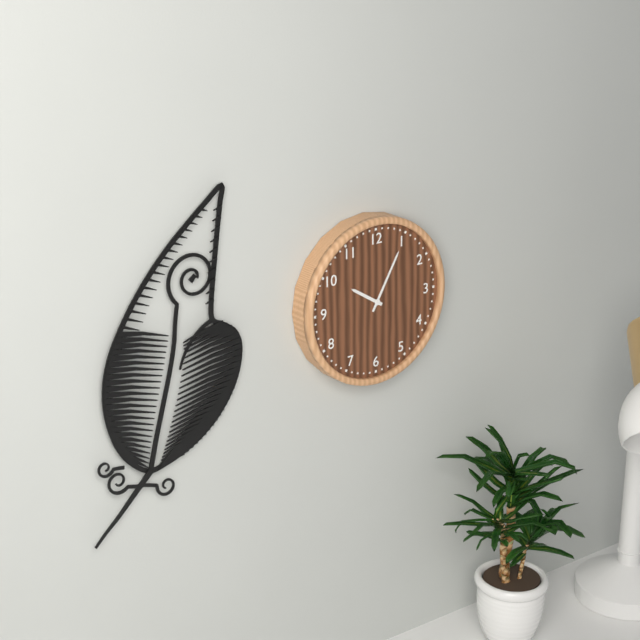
{"hour": 10, "minute": 5}
